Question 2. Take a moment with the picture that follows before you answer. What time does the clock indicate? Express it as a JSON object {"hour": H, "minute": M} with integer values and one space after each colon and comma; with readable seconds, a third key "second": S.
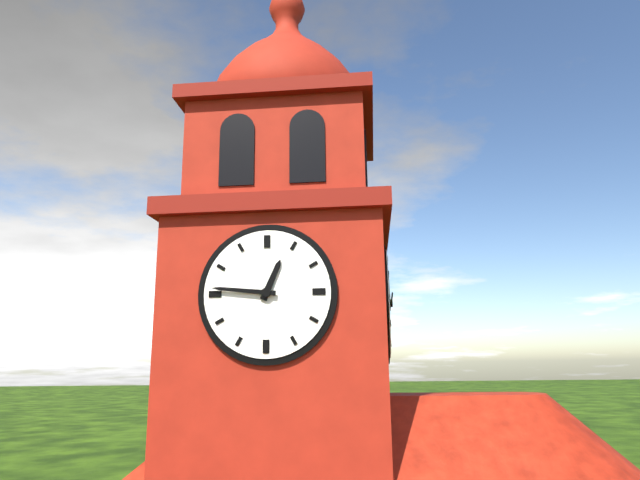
{"hour": 12, "minute": 46}
